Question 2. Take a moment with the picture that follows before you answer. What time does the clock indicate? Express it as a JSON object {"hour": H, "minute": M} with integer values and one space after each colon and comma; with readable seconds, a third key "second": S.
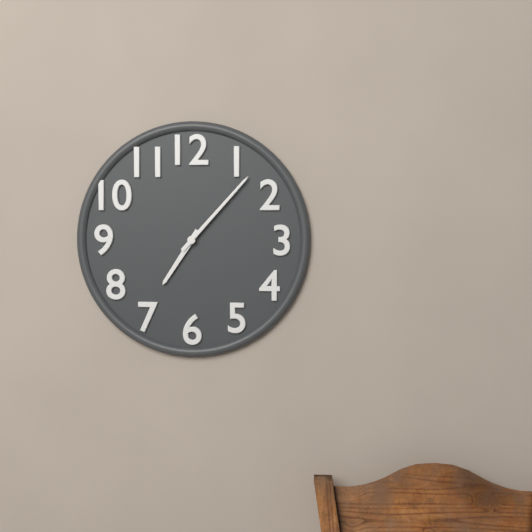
{"hour": 7, "minute": 7}
